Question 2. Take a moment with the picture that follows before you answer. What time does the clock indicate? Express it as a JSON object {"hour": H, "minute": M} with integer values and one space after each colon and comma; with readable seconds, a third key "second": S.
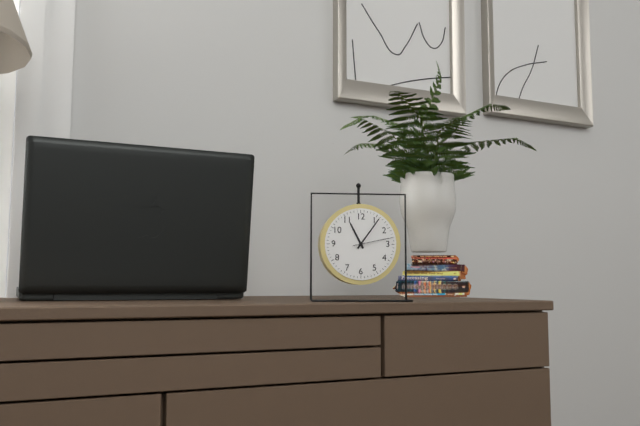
{"hour": 11, "minute": 6}
